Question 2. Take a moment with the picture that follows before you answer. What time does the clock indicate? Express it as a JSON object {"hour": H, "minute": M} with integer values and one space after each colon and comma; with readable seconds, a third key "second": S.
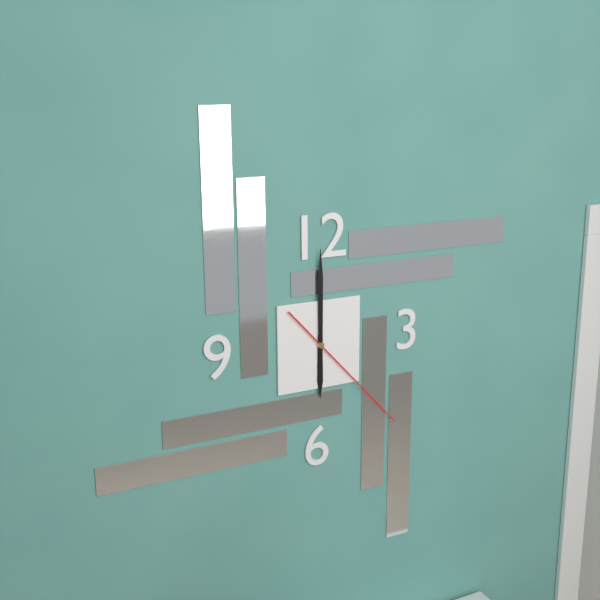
{"hour": 6, "minute": 0, "second": 23}
